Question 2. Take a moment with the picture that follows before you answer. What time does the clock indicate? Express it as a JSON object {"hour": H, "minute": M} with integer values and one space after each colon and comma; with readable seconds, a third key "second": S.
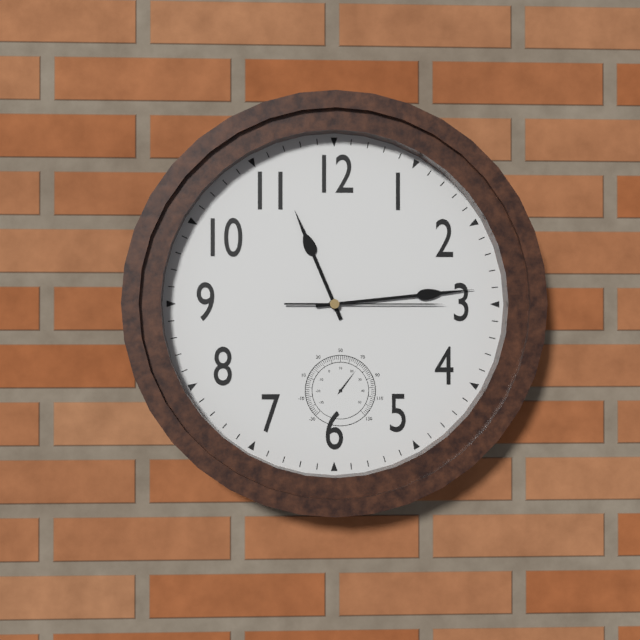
{"hour": 11, "minute": 14, "second": 15}
